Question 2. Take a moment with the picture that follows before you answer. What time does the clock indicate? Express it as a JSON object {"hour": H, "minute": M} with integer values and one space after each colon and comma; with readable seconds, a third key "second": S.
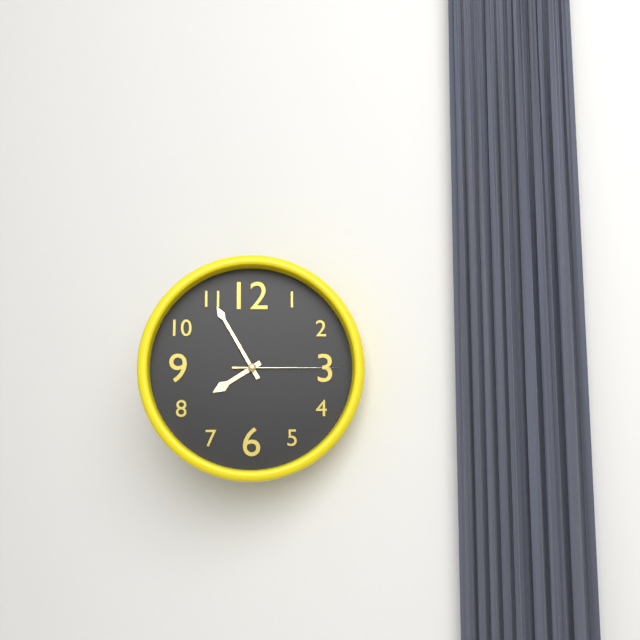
{"hour": 7, "minute": 55, "second": 15}
